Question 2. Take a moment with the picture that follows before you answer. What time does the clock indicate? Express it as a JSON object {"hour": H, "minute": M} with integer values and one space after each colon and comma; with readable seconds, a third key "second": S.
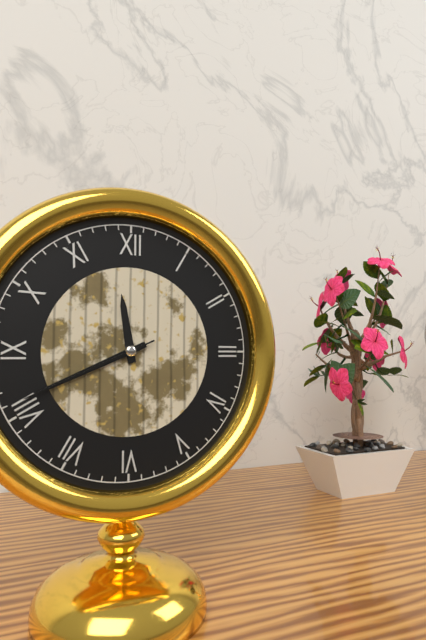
{"hour": 11, "minute": 41, "second": 41}
